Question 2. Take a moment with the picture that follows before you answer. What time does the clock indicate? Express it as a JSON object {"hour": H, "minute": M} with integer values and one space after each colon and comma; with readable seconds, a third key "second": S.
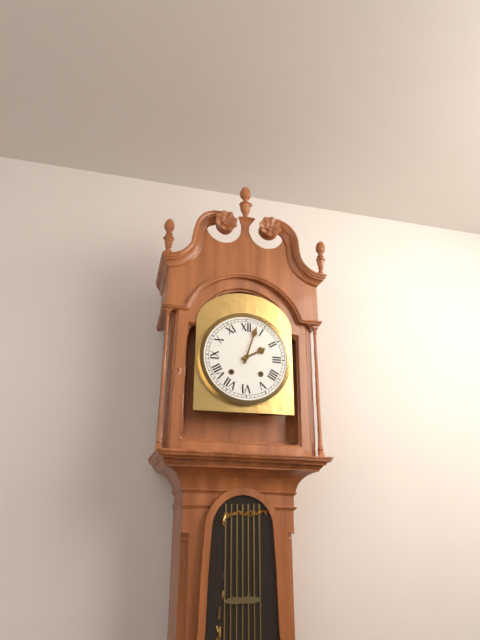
{"hour": 2, "minute": 3}
